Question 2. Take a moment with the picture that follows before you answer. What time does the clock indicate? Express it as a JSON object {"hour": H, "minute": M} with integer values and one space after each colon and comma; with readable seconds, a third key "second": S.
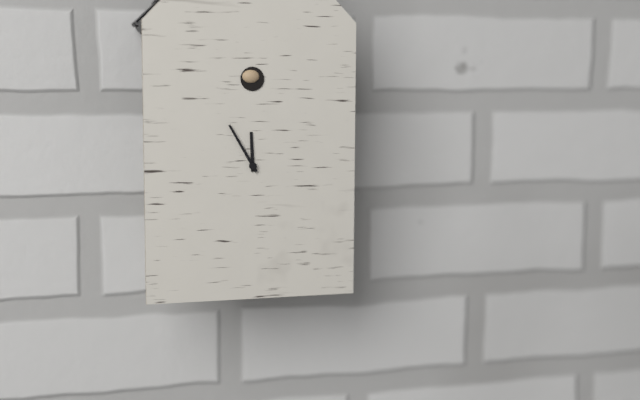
{"hour": 11, "minute": 55}
